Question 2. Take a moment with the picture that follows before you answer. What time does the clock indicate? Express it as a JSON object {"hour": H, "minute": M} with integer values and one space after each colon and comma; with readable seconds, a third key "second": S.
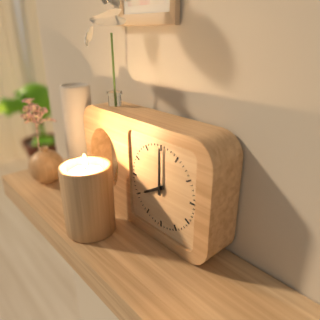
{"hour": 8, "minute": 0}
